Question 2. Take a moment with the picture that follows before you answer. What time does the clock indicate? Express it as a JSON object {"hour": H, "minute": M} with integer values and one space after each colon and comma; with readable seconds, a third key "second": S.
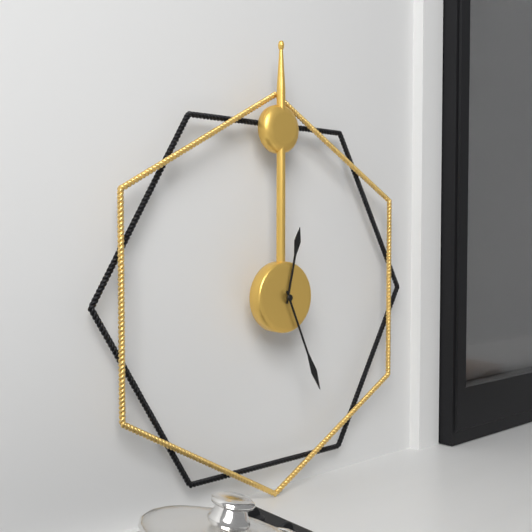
{"hour": 12, "minute": 26}
